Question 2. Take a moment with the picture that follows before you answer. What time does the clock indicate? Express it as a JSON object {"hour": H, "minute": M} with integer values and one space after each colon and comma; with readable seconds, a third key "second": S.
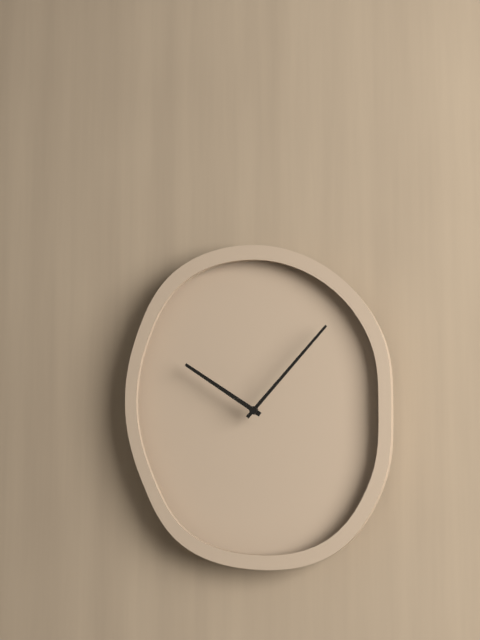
{"hour": 10, "minute": 7}
